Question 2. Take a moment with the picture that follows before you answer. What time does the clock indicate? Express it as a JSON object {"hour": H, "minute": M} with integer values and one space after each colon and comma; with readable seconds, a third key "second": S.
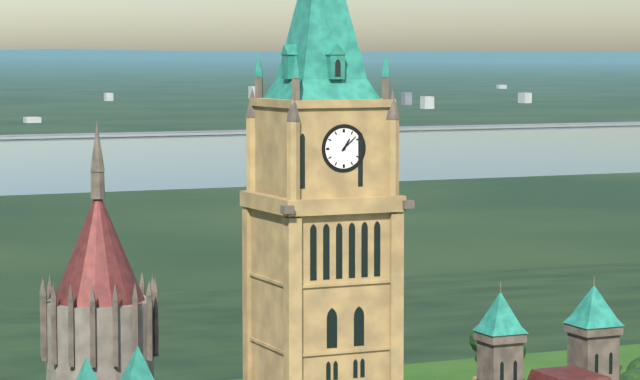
{"hour": 1, "minute": 8}
